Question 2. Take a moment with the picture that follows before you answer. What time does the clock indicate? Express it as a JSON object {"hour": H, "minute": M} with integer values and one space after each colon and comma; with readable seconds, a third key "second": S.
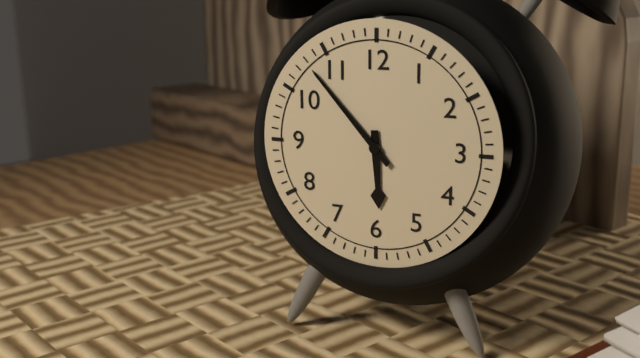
{"hour": 5, "minute": 53}
